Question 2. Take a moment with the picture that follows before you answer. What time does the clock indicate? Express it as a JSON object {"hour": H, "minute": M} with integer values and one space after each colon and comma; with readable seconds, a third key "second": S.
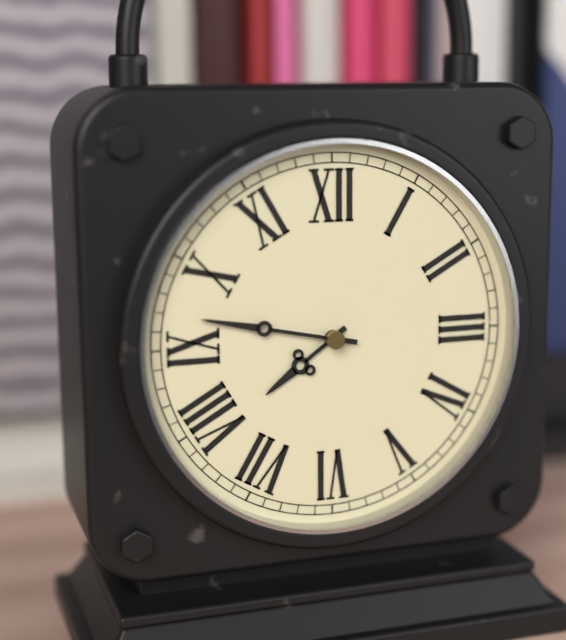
{"hour": 7, "minute": 47}
